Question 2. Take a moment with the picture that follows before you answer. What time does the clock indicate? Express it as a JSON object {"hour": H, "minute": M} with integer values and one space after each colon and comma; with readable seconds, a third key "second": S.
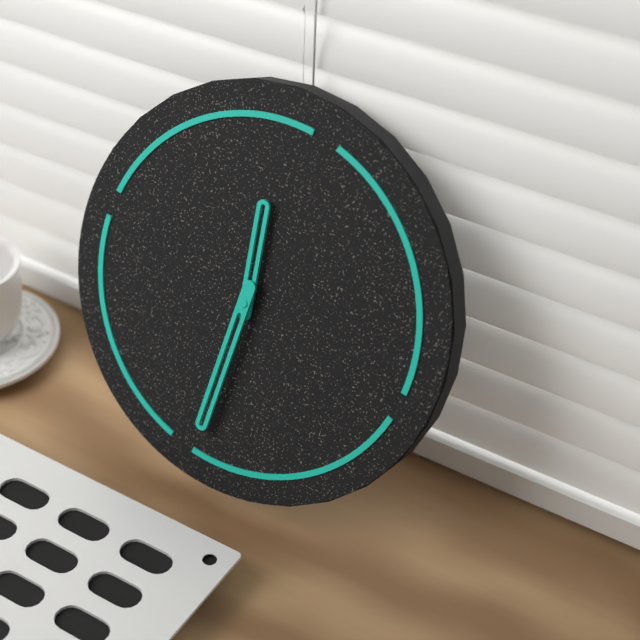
{"hour": 11, "minute": 29}
